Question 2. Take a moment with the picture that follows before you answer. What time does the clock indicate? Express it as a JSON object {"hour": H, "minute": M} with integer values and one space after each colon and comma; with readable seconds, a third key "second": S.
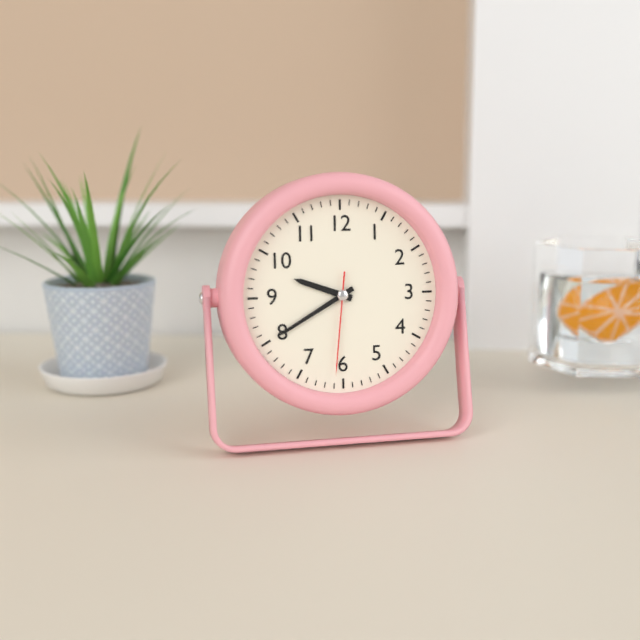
{"hour": 9, "minute": 40, "second": 31}
